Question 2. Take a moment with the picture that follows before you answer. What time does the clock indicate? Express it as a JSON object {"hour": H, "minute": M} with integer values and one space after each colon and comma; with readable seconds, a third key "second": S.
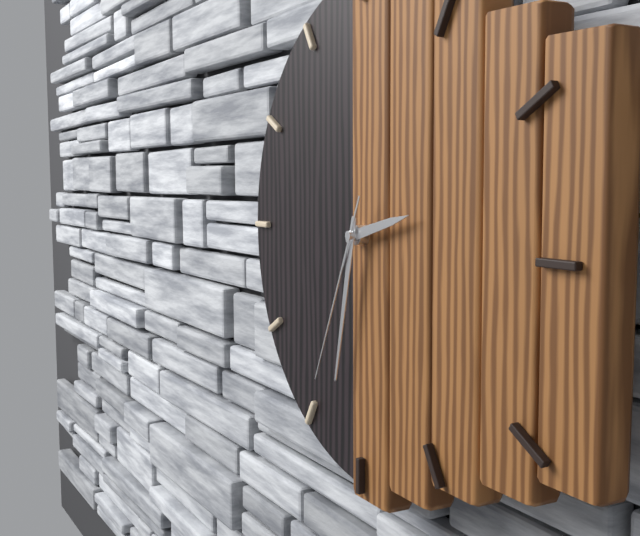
{"hour": 2, "minute": 32, "second": 34}
